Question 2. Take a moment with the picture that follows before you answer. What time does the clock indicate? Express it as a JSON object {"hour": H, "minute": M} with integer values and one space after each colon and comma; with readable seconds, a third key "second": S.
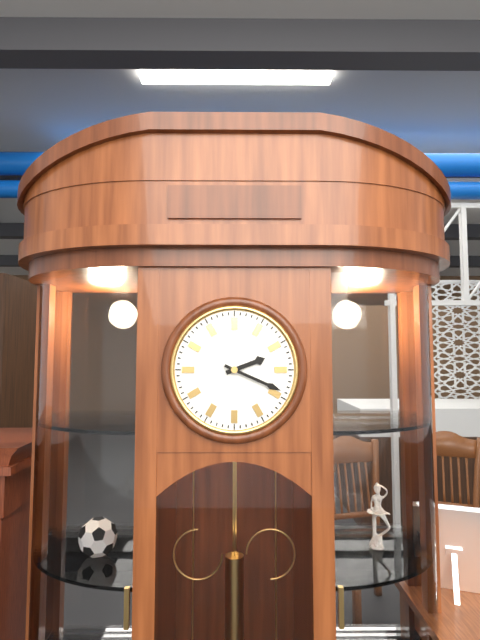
{"hour": 2, "minute": 19}
